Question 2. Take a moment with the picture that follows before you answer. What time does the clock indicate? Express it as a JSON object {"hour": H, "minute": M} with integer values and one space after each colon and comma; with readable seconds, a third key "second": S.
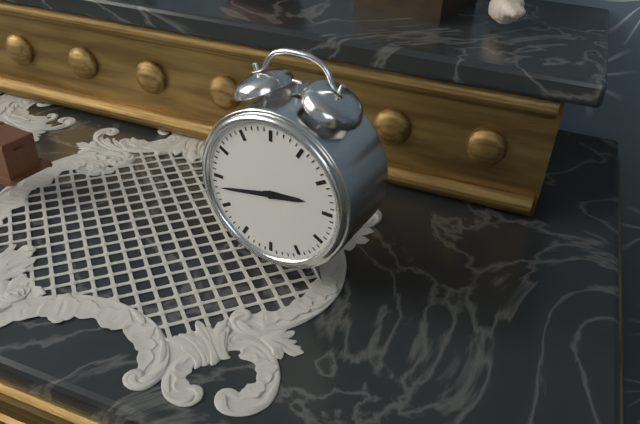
{"hour": 2, "minute": 43}
